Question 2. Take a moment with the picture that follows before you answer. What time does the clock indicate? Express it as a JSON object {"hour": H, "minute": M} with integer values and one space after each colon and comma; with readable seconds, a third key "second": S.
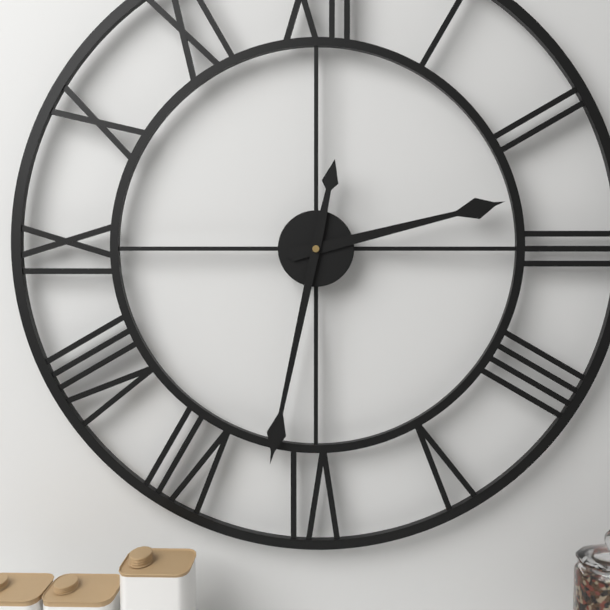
{"hour": 2, "minute": 32}
